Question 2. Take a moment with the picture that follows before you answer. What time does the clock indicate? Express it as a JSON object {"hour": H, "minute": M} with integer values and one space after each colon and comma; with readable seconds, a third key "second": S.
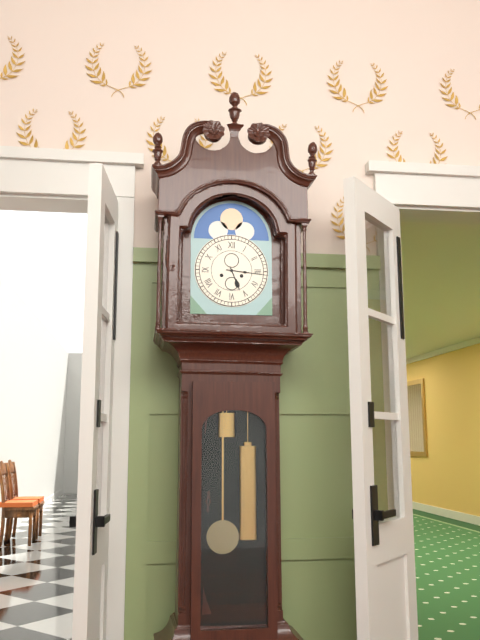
{"hour": 5, "minute": 16}
